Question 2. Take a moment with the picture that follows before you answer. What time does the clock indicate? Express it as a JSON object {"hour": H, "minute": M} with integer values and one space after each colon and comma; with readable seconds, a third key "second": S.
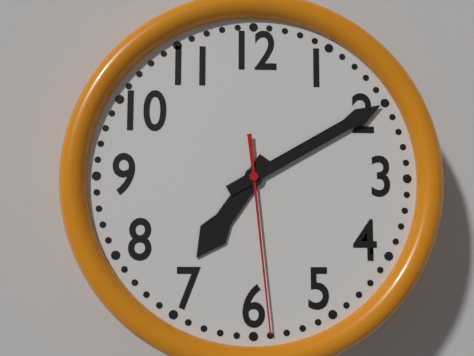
{"hour": 7, "minute": 10, "second": 29}
